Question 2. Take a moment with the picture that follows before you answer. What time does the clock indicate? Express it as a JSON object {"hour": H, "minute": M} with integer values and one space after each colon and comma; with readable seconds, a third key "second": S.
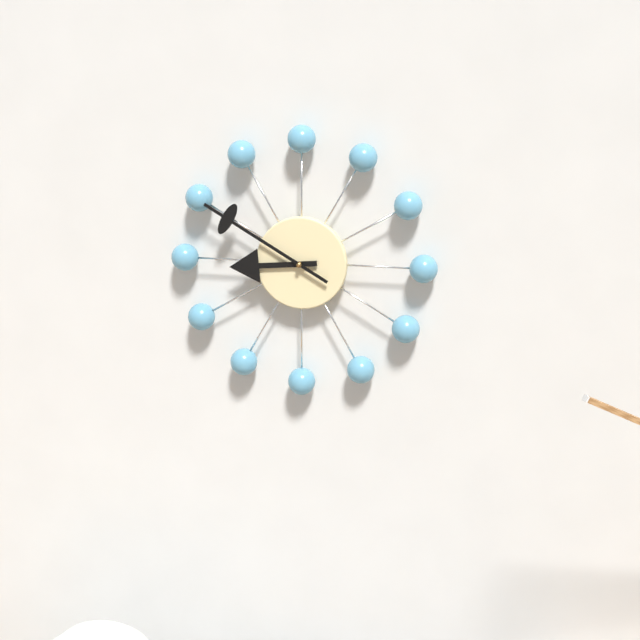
{"hour": 8, "minute": 50}
